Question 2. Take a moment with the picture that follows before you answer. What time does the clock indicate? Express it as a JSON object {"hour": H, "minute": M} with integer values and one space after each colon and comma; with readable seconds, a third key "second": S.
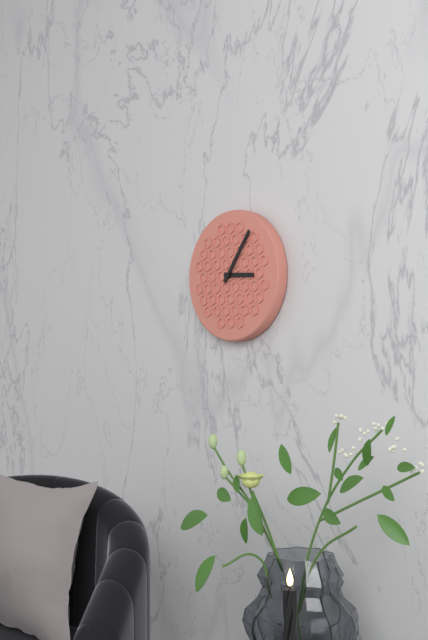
{"hour": 3, "minute": 6}
